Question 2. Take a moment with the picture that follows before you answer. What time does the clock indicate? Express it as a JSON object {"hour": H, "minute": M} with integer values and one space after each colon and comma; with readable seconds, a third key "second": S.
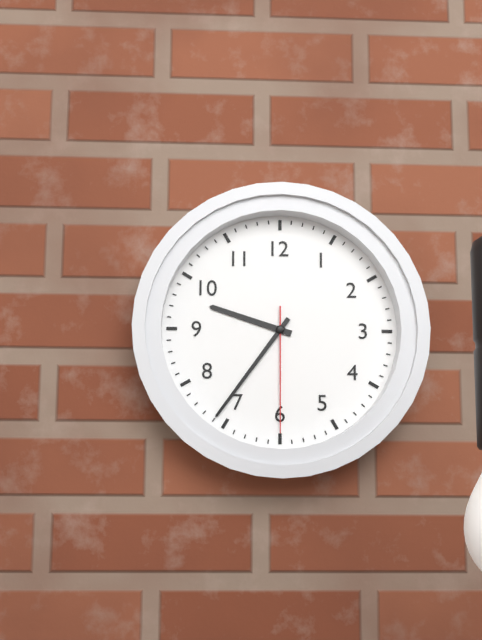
{"hour": 9, "minute": 36, "second": 30}
